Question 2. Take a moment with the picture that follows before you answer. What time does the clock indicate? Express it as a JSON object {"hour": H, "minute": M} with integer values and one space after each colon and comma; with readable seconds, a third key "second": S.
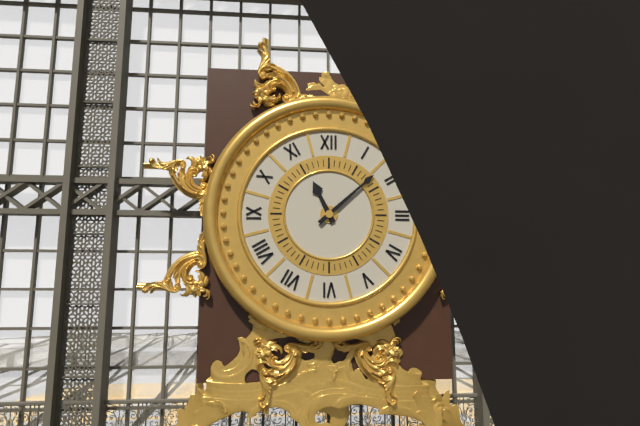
{"hour": 11, "minute": 8}
